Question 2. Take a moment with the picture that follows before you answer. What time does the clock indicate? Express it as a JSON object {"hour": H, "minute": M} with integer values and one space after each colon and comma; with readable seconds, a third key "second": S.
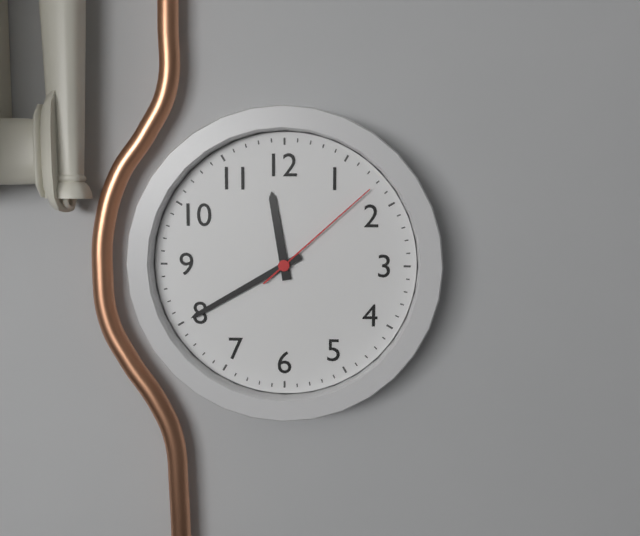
{"hour": 11, "minute": 40, "second": 8}
